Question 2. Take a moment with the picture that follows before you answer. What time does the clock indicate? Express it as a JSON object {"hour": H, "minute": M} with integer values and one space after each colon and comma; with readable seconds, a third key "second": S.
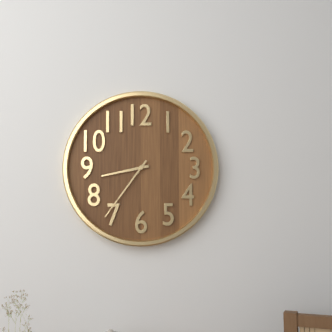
{"hour": 8, "minute": 36}
